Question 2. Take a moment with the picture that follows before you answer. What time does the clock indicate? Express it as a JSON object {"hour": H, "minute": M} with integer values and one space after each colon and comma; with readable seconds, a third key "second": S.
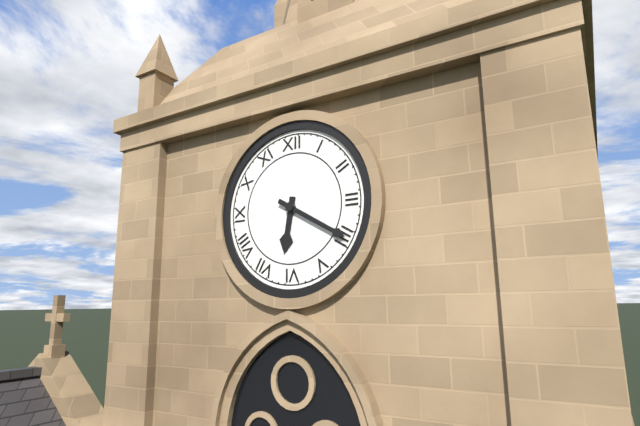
{"hour": 6, "minute": 20}
